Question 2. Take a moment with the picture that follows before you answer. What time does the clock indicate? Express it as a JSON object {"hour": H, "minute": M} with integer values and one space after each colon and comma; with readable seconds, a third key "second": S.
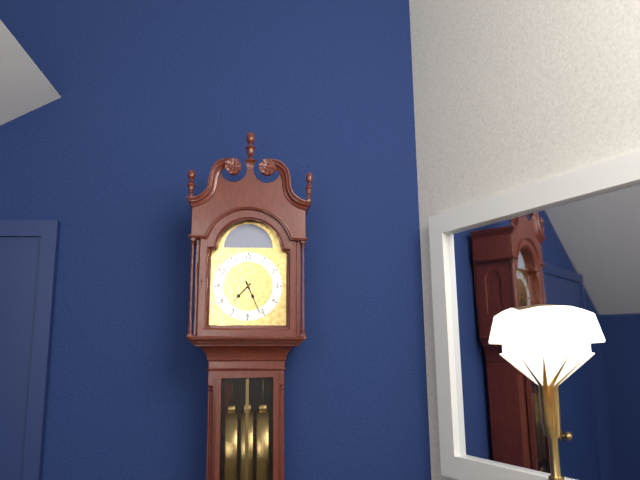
{"hour": 7, "minute": 26}
